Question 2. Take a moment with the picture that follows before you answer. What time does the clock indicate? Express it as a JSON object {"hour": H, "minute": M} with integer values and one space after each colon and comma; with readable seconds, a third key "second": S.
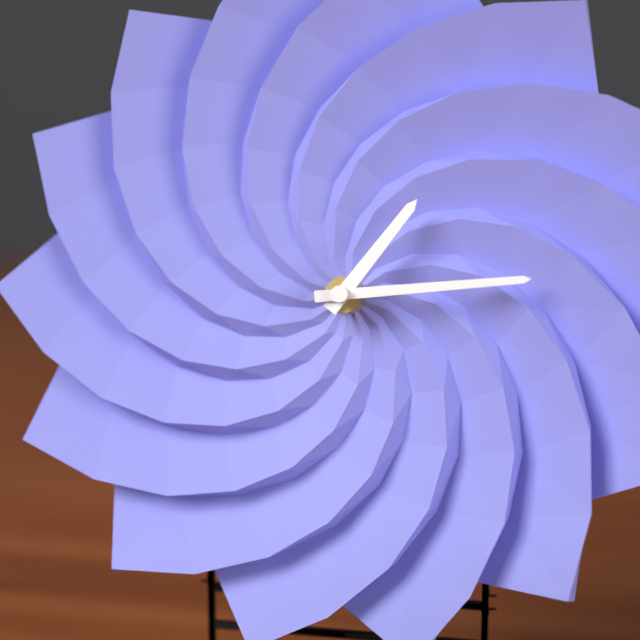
{"hour": 1, "minute": 14}
